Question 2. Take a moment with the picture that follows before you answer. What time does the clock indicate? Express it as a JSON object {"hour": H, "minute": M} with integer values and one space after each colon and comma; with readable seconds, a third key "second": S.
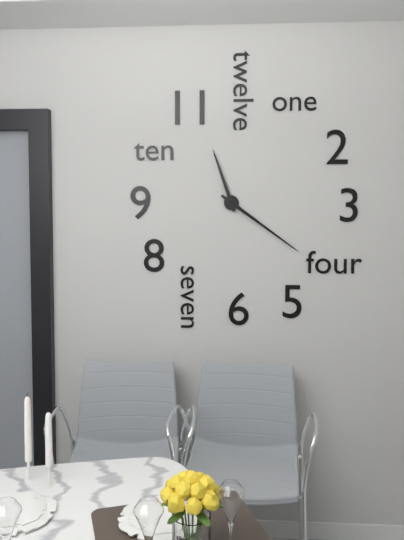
{"hour": 11, "minute": 21}
